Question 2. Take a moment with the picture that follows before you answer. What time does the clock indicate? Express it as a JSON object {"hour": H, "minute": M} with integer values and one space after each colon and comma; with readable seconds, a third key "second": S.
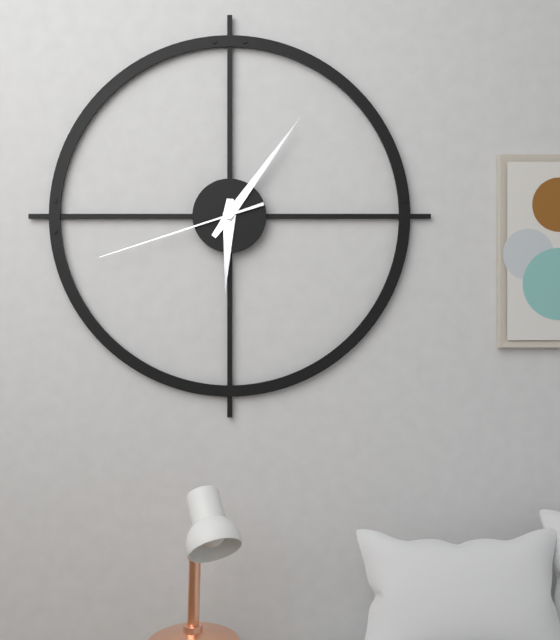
{"hour": 6, "minute": 6, "second": 42}
